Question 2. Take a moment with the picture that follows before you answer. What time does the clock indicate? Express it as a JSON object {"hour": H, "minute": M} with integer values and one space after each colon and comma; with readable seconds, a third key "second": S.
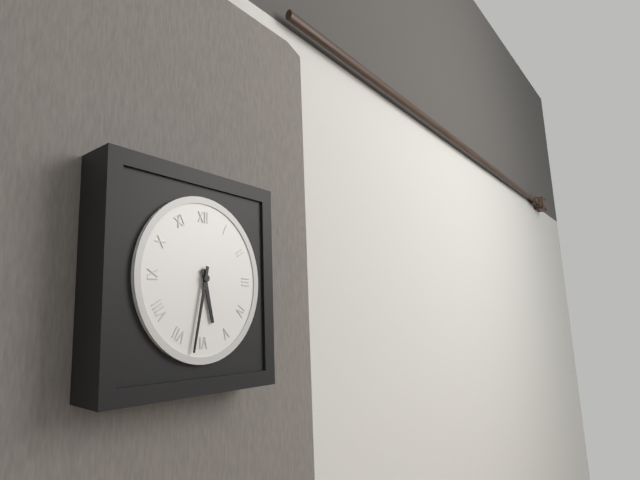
{"hour": 5, "minute": 32}
